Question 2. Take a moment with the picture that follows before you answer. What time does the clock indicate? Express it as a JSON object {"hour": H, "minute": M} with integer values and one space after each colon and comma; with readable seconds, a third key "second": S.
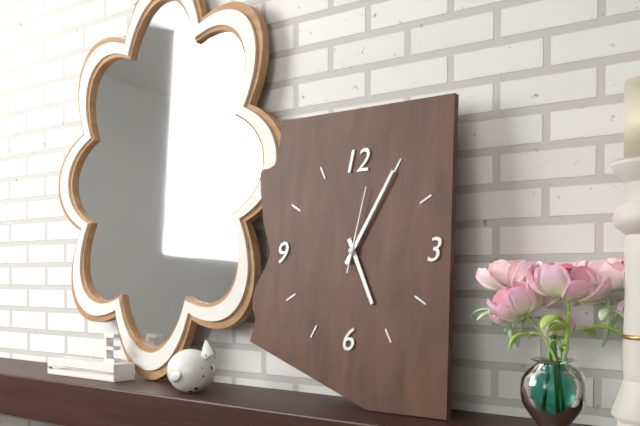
{"hour": 5, "minute": 5, "second": 2}
